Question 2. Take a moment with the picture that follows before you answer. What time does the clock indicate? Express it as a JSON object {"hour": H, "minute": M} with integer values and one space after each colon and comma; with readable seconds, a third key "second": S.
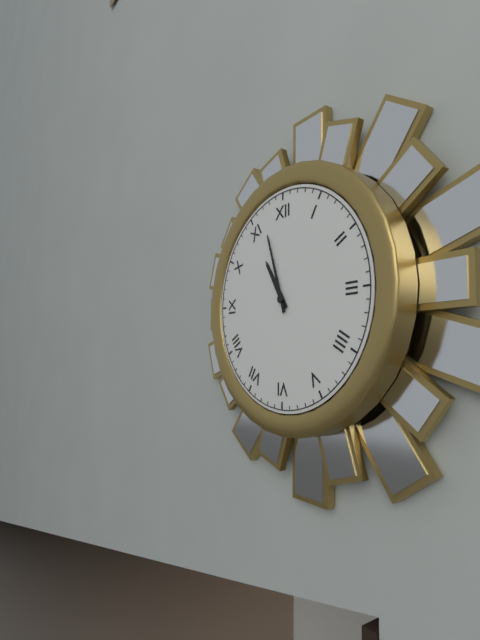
{"hour": 10, "minute": 57}
